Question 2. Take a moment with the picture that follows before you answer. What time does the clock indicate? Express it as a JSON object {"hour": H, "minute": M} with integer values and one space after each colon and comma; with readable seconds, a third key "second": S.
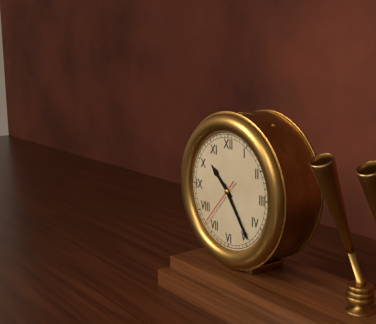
{"hour": 10, "minute": 24, "second": 37}
